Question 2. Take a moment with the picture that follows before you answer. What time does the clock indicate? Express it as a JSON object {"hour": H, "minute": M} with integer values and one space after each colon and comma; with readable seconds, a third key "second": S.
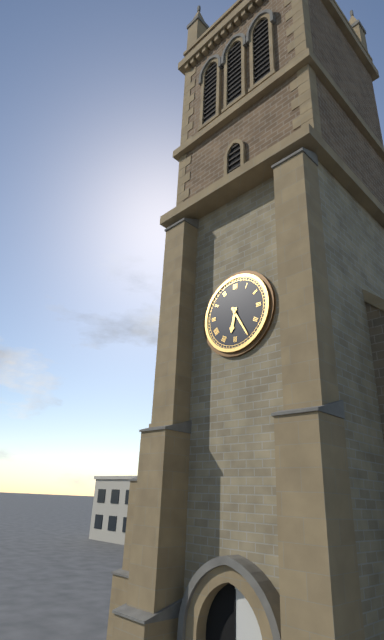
{"hour": 6, "minute": 25}
